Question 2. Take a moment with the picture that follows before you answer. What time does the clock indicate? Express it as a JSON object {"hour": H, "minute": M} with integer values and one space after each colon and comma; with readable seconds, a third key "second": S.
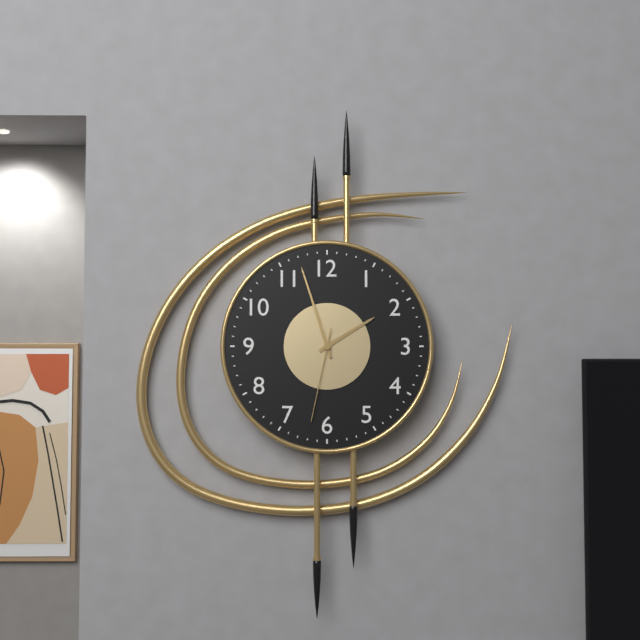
{"hour": 1, "minute": 57, "second": 32}
